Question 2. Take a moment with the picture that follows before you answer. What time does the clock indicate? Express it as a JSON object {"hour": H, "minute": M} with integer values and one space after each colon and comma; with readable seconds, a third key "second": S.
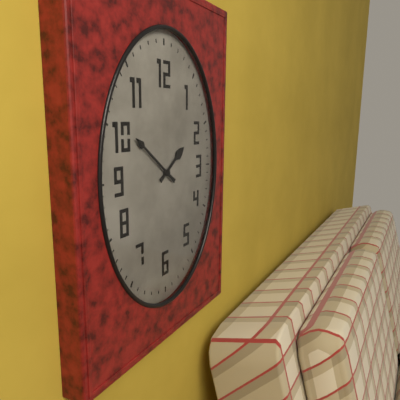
{"hour": 1, "minute": 51}
